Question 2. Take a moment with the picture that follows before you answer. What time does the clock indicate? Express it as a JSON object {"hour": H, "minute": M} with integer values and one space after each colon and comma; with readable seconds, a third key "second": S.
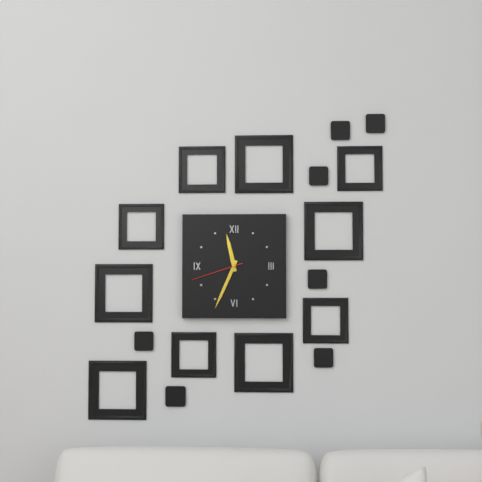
{"hour": 11, "minute": 34, "second": 42}
